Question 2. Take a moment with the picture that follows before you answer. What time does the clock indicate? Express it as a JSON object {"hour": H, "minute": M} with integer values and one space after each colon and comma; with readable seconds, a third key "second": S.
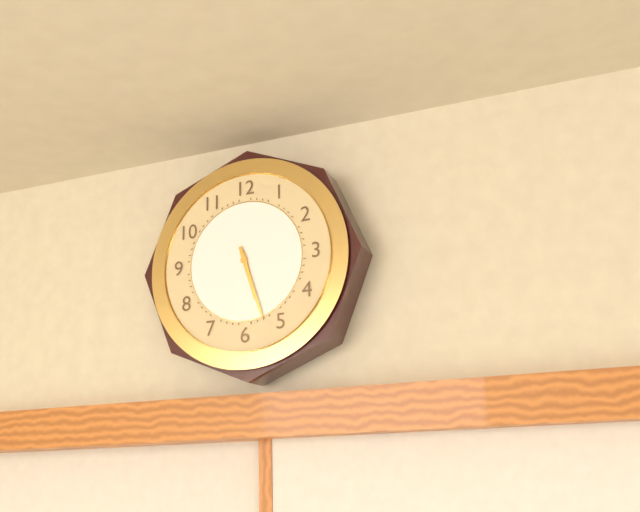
{"hour": 5, "minute": 27}
